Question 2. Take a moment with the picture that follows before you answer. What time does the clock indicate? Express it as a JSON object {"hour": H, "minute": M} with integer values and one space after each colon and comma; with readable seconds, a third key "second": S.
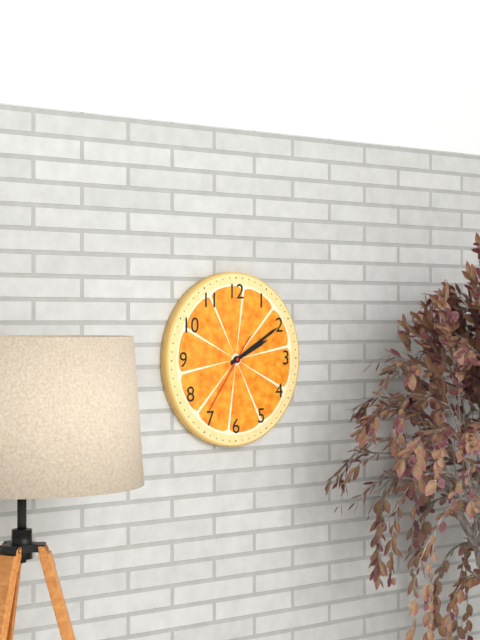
{"hour": 2, "minute": 10, "second": 36}
